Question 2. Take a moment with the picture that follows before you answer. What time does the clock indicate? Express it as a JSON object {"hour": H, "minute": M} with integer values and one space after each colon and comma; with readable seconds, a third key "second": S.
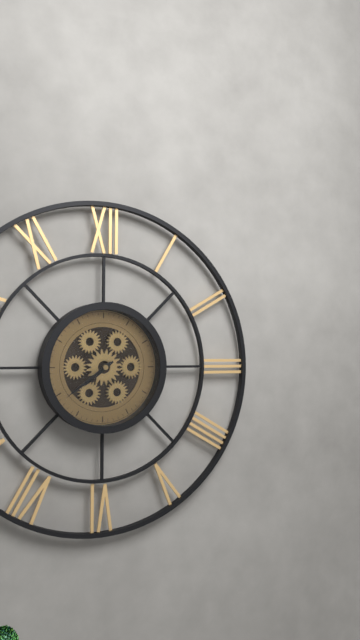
{"hour": 7, "minute": 39}
